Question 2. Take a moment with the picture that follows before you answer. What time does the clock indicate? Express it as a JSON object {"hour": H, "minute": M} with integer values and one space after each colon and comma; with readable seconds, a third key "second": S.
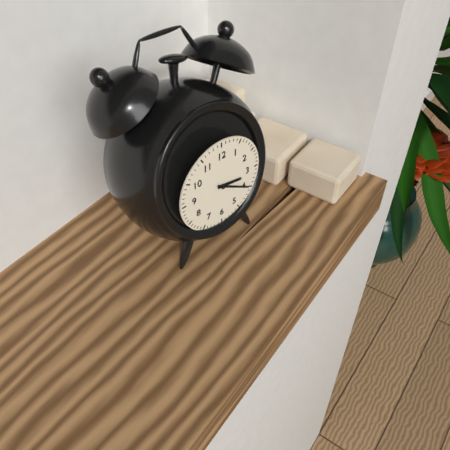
{"hour": 3, "minute": 20}
